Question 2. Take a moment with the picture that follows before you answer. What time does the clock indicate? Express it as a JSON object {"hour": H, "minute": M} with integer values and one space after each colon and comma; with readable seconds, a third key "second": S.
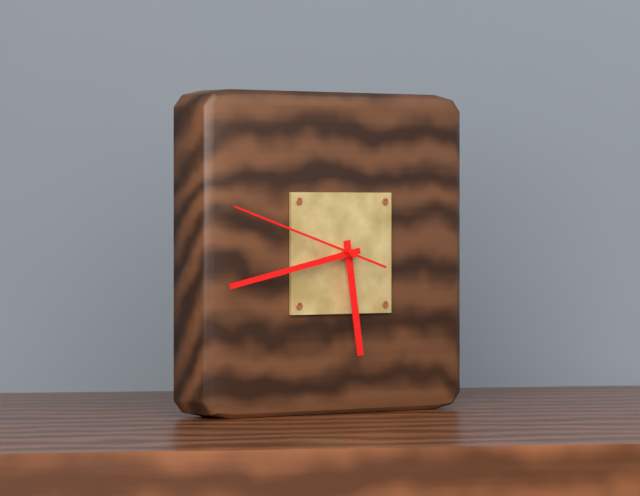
{"hour": 5, "minute": 43, "second": 48}
